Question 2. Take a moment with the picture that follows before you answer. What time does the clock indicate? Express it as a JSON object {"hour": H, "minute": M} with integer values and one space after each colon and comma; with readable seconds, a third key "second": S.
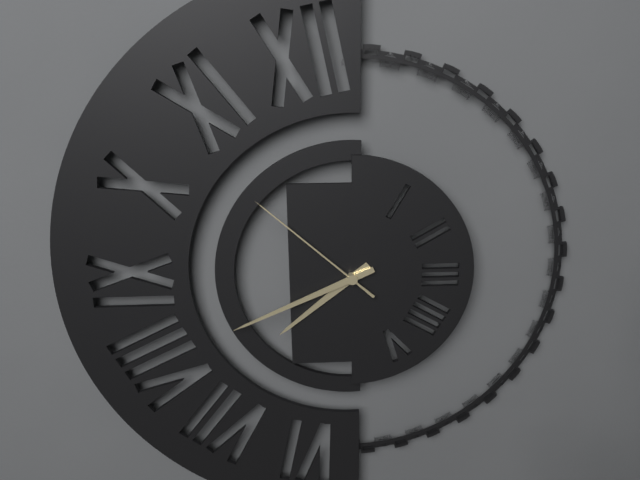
{"hour": 7, "minute": 41, "second": 52}
